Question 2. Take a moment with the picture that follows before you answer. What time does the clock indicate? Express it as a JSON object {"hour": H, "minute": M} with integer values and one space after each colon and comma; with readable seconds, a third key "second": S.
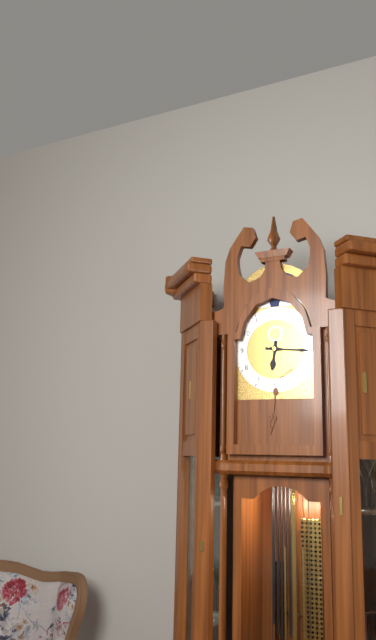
{"hour": 6, "minute": 16}
